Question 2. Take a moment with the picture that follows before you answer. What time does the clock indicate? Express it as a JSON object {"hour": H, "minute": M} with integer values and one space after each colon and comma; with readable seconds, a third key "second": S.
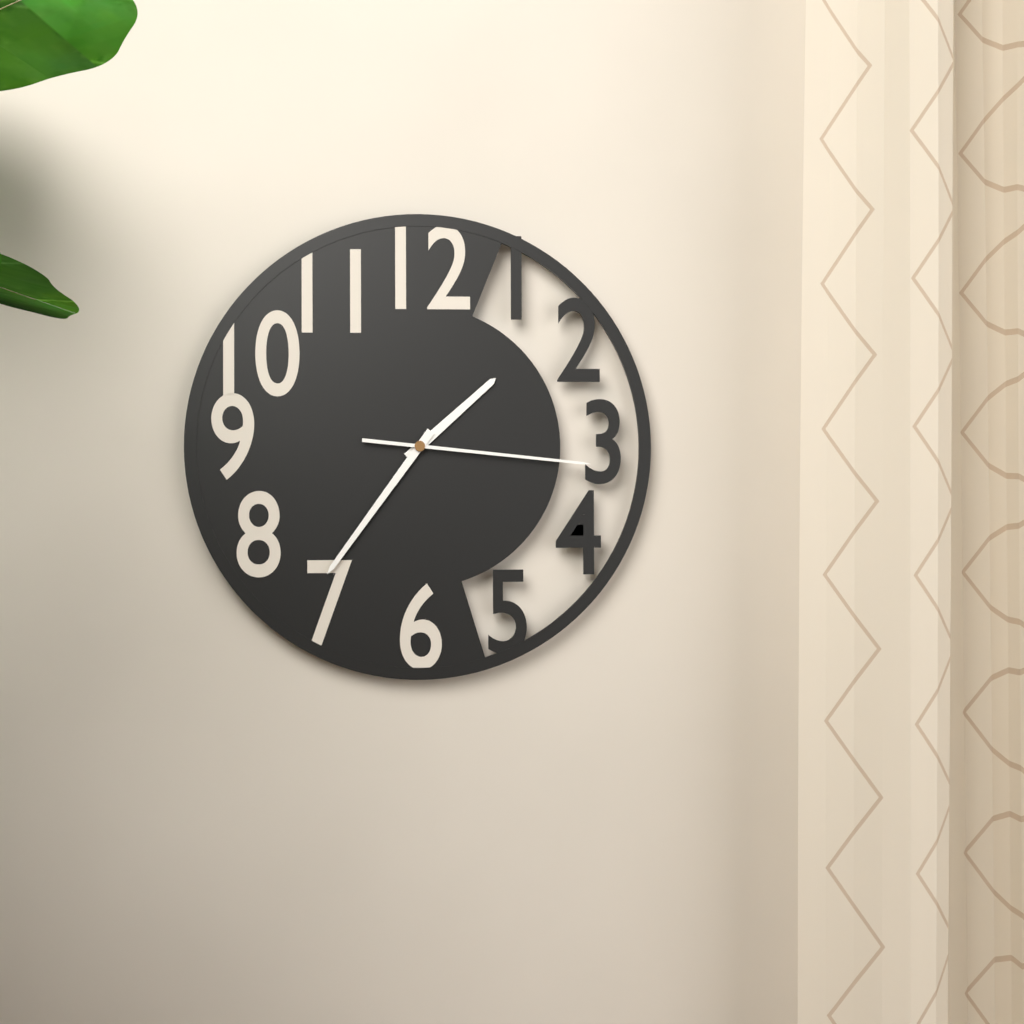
{"hour": 1, "minute": 36, "second": 16}
